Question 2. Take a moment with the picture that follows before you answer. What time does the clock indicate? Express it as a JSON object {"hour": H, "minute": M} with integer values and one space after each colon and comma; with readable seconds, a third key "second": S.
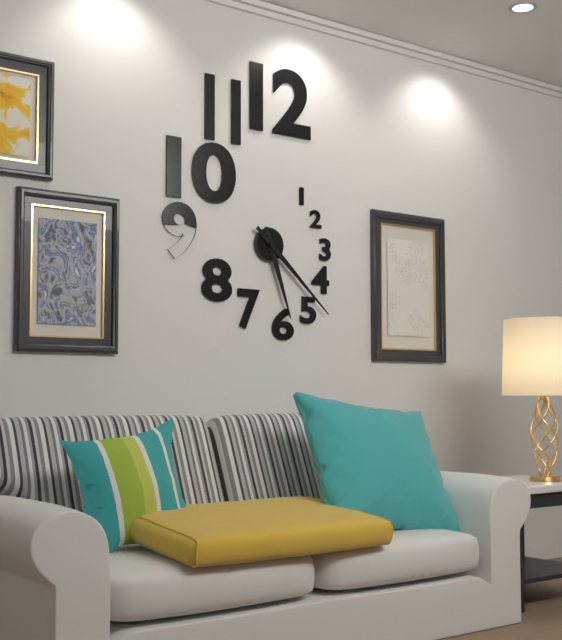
{"hour": 5, "minute": 22}
